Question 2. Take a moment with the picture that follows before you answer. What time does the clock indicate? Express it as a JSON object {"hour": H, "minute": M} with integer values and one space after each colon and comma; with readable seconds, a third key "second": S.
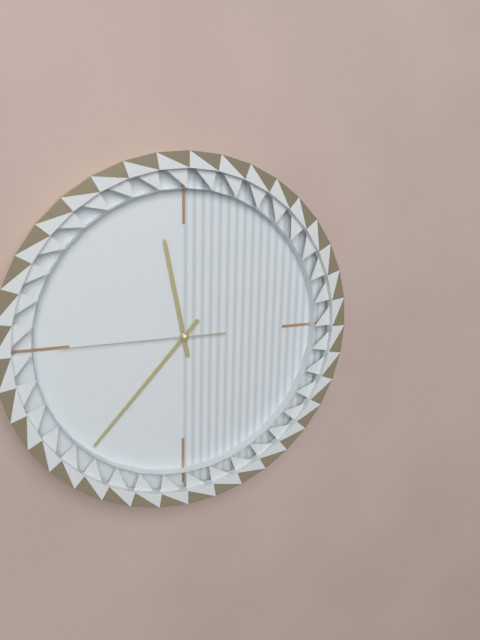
{"hour": 11, "minute": 37, "second": 45}
